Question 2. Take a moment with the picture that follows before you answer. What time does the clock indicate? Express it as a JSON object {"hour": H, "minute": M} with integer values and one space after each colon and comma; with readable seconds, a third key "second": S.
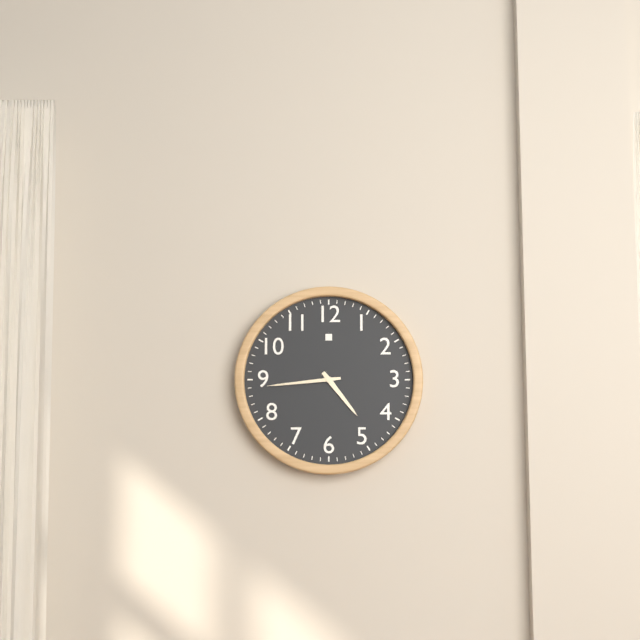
{"hour": 4, "minute": 44}
